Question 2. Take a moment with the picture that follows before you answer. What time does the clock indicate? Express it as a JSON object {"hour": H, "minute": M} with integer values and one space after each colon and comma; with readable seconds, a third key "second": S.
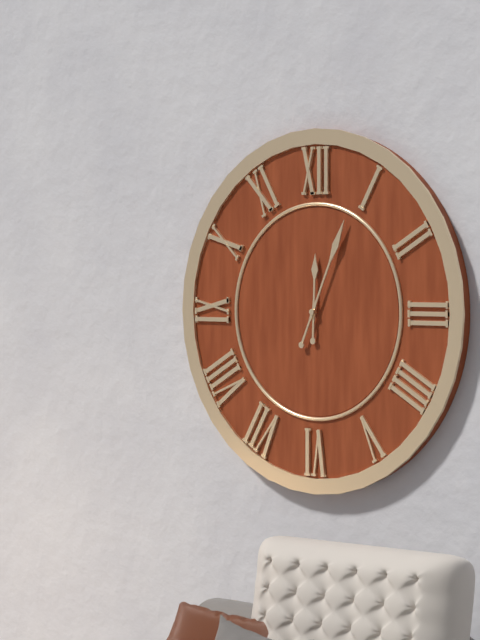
{"hour": 12, "minute": 4}
